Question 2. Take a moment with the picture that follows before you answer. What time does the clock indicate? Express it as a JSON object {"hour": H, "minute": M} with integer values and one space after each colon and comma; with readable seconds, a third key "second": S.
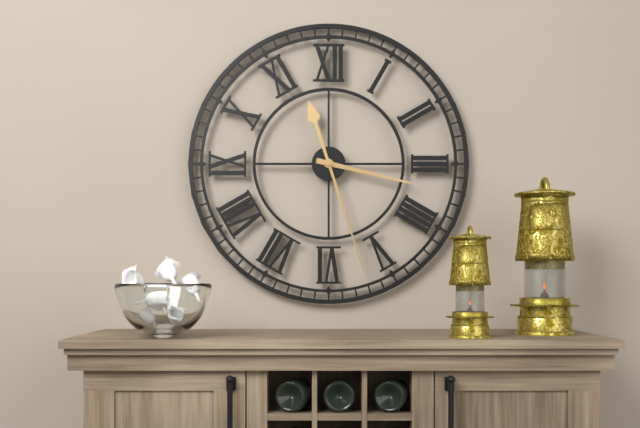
{"hour": 3, "minute": 27}
